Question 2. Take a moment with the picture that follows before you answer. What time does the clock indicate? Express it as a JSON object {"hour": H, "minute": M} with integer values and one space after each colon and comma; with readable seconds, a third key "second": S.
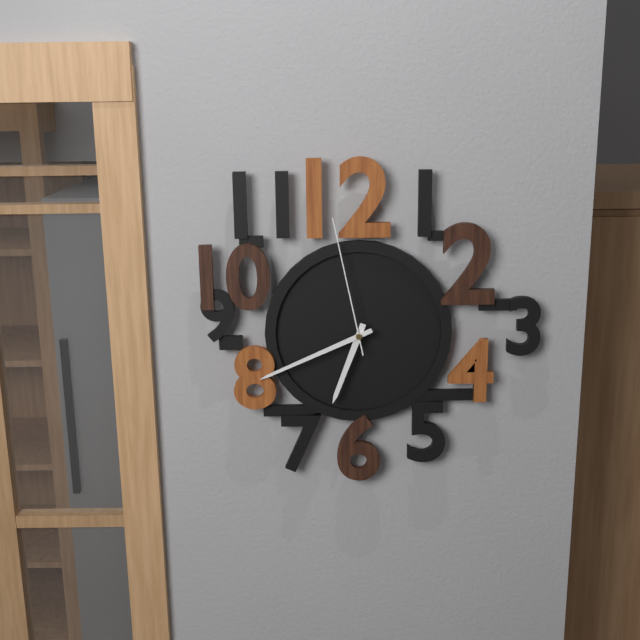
{"hour": 6, "minute": 41, "second": 58}
